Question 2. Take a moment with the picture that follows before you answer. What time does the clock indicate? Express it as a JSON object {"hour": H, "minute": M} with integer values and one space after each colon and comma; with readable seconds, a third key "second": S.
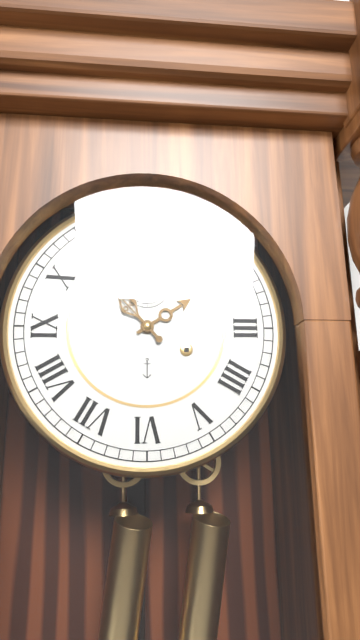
{"hour": 1, "minute": 53}
